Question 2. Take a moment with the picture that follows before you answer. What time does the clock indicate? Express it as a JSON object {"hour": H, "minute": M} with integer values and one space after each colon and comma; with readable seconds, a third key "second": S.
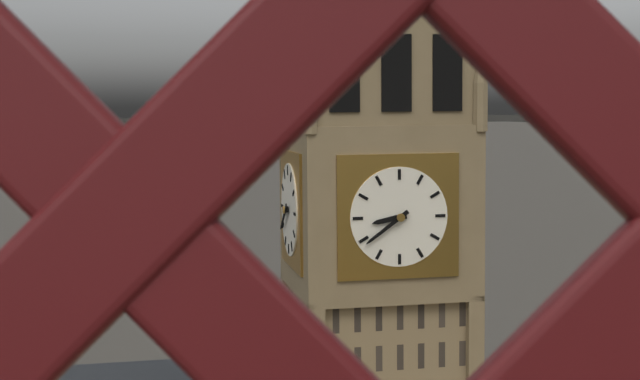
{"hour": 8, "minute": 39}
